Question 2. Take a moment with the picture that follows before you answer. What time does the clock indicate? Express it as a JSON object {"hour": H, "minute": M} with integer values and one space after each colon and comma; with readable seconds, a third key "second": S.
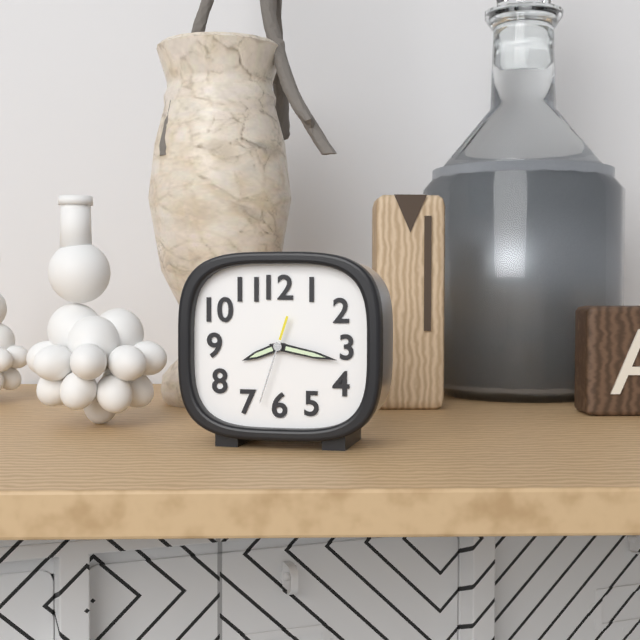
{"hour": 8, "minute": 17, "second": 33}
